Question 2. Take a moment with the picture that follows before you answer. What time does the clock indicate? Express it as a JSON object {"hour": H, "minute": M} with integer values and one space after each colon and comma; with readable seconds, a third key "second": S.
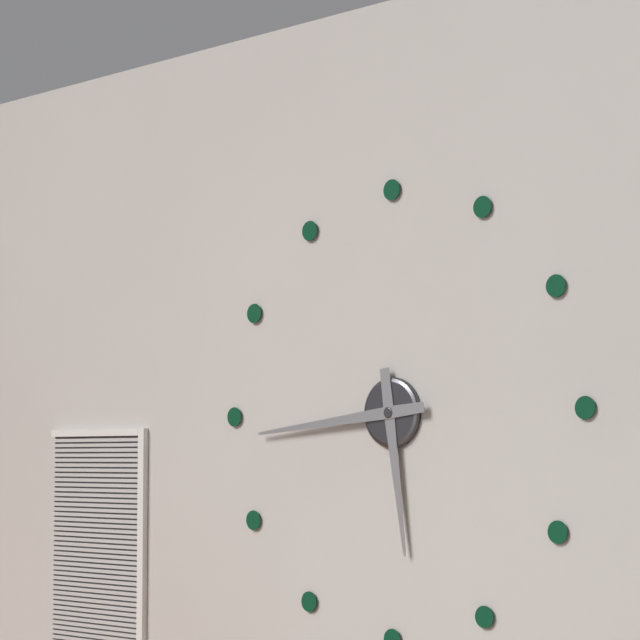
{"hour": 5, "minute": 44}
